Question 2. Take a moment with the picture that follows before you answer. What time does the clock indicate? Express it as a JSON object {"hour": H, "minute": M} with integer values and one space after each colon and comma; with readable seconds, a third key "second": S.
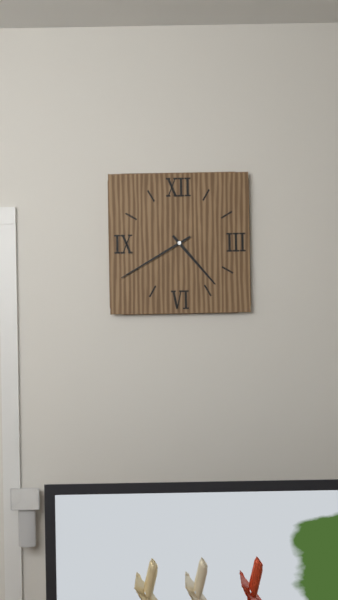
{"hour": 4, "minute": 40}
